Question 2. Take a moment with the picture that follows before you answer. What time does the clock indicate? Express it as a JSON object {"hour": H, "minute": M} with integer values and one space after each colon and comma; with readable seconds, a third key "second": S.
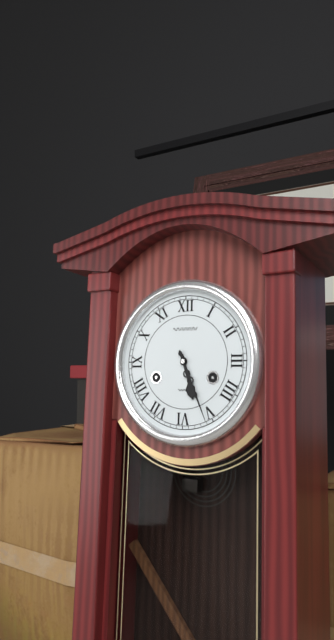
{"hour": 5, "minute": 26}
